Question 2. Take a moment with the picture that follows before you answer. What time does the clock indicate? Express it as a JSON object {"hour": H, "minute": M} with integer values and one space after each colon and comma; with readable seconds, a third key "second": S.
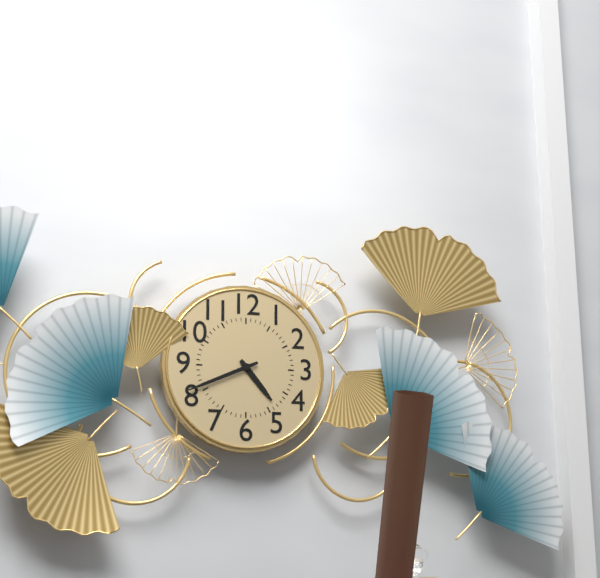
{"hour": 4, "minute": 41}
